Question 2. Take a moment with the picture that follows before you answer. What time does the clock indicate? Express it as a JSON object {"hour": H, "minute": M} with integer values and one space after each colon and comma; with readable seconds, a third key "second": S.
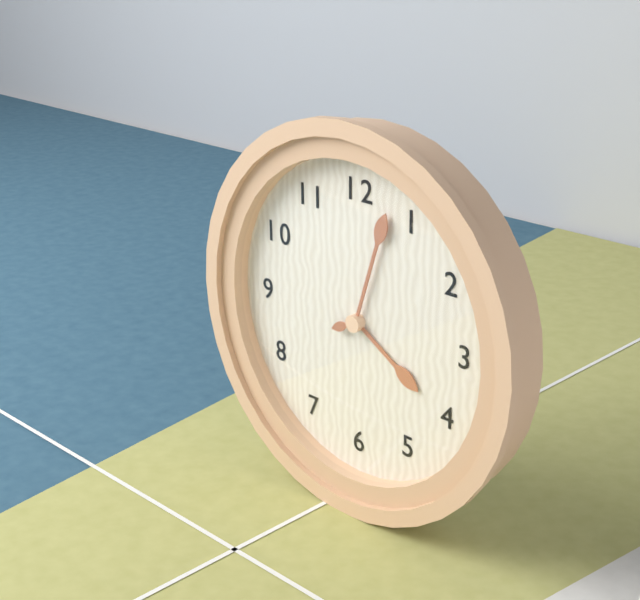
{"hour": 4, "minute": 3}
